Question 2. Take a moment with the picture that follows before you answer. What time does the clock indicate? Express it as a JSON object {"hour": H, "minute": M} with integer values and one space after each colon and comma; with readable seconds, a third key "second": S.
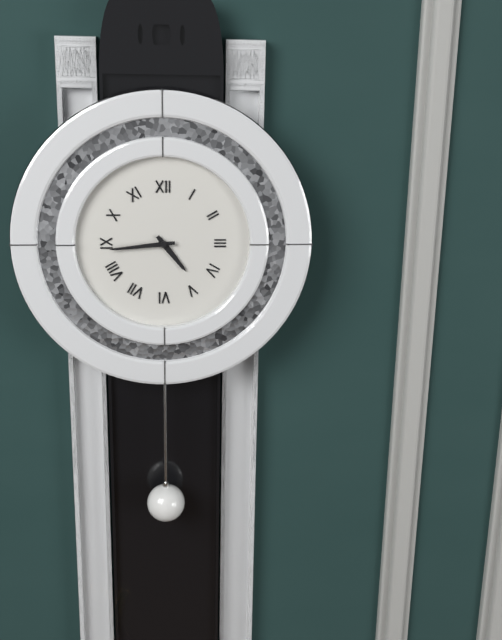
{"hour": 4, "minute": 44}
